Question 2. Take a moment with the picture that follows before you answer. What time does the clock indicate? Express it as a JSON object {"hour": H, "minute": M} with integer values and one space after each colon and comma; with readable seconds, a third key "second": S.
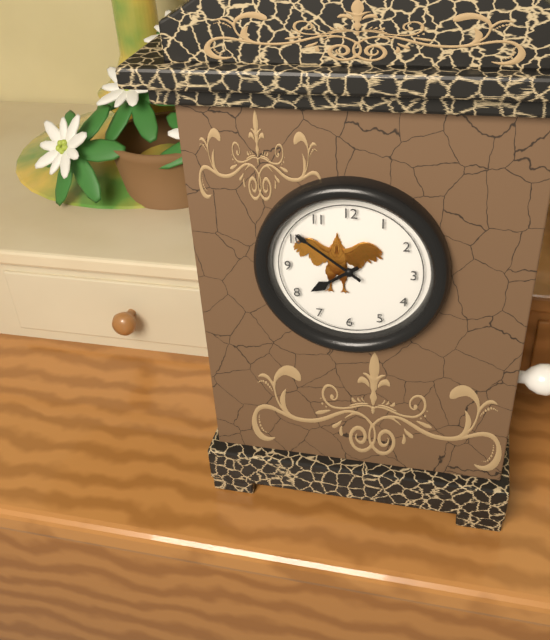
{"hour": 7, "minute": 51}
